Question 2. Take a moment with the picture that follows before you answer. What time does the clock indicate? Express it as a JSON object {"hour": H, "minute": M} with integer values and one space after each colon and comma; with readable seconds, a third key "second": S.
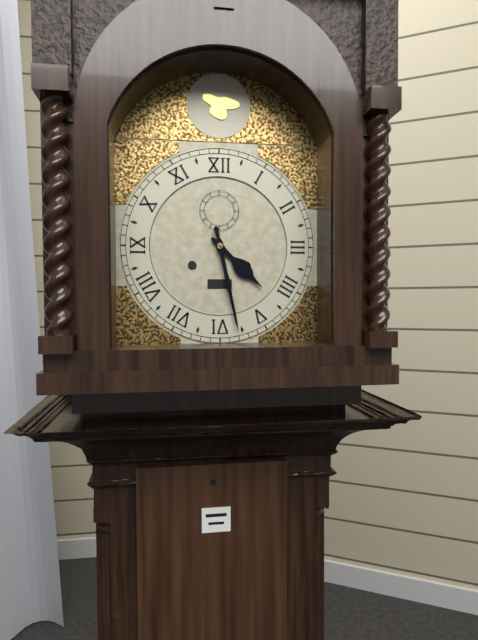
{"hour": 4, "minute": 28}
